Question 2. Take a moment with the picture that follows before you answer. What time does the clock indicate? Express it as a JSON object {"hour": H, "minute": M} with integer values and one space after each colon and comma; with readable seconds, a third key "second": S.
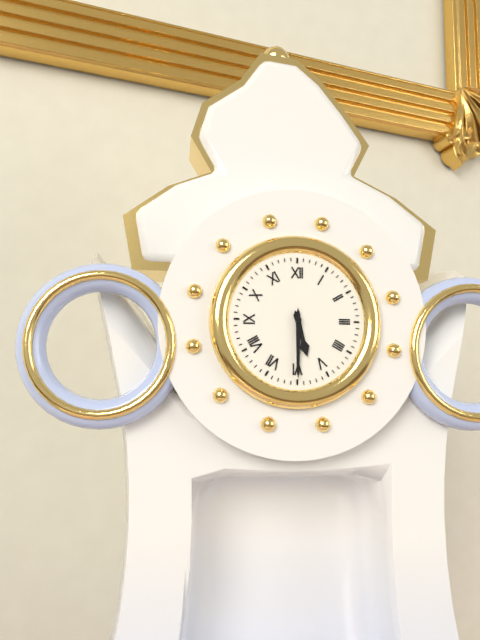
{"hour": 5, "minute": 30}
